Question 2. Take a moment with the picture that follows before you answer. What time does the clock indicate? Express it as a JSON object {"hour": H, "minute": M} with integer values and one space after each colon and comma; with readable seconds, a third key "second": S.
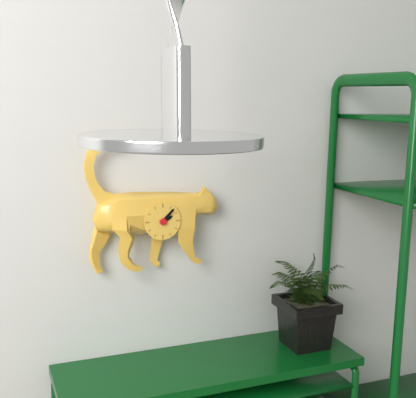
{"hour": 2, "minute": 7}
